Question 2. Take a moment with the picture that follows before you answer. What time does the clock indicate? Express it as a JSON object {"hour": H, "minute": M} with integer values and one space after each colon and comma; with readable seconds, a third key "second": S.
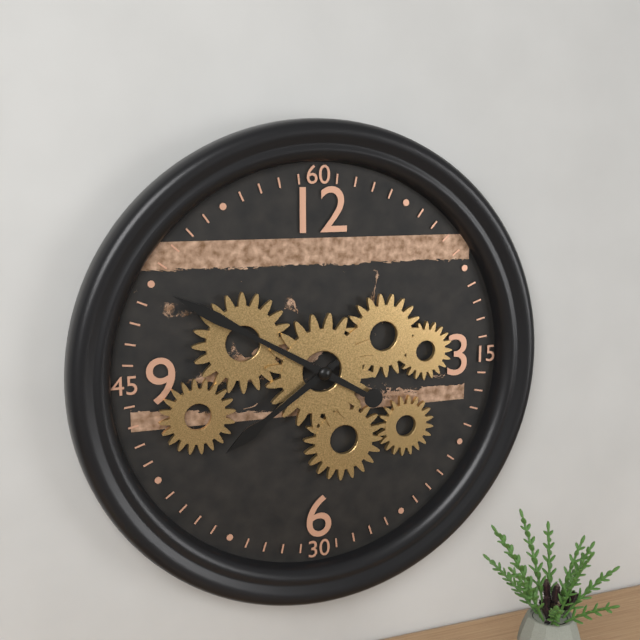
{"hour": 7, "minute": 50}
